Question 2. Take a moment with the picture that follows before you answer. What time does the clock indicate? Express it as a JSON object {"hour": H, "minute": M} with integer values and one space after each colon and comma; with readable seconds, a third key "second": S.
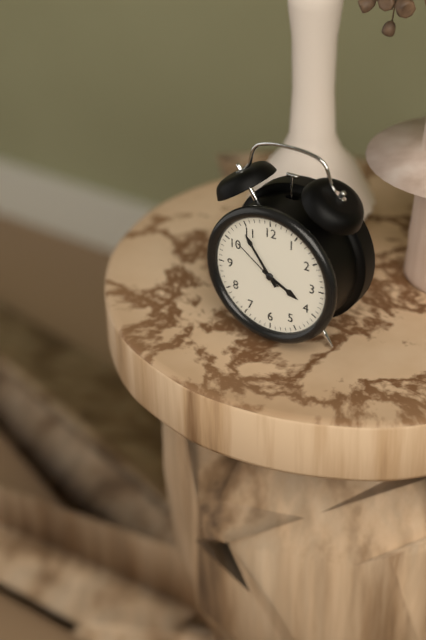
{"hour": 3, "minute": 54, "second": 51}
